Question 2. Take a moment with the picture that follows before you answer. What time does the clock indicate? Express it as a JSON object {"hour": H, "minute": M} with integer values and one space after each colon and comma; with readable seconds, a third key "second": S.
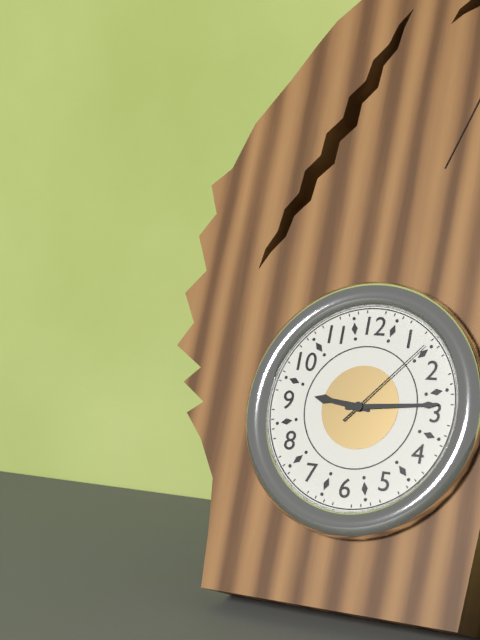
{"hour": 9, "minute": 14, "second": 7}
